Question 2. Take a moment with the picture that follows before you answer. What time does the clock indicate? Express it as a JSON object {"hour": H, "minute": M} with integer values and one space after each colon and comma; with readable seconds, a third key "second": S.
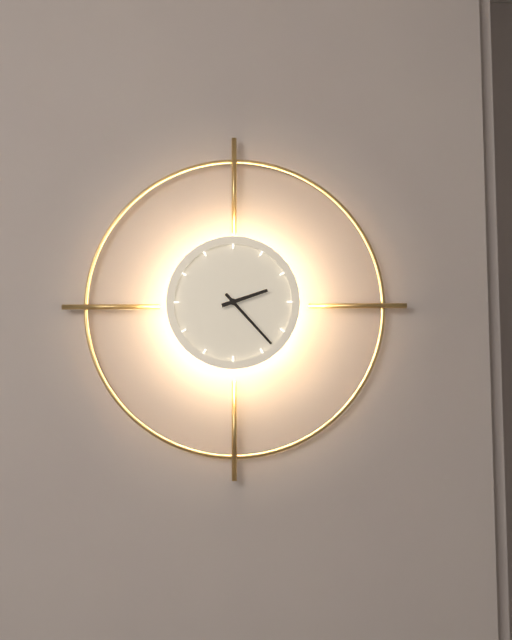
{"hour": 2, "minute": 23}
